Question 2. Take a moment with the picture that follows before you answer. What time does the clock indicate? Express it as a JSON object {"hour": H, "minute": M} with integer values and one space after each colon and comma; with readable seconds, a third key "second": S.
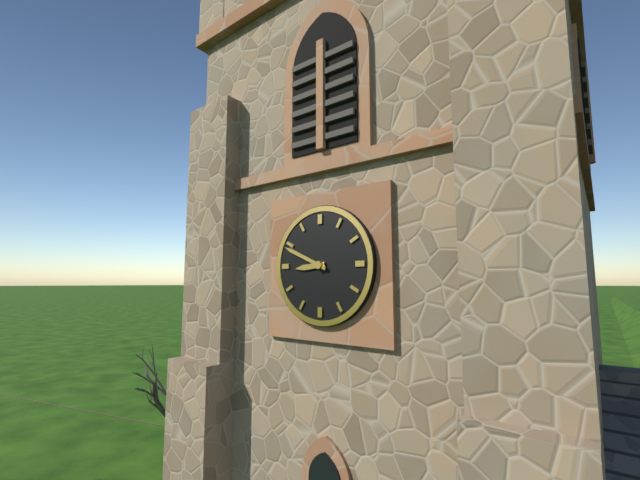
{"hour": 8, "minute": 49}
